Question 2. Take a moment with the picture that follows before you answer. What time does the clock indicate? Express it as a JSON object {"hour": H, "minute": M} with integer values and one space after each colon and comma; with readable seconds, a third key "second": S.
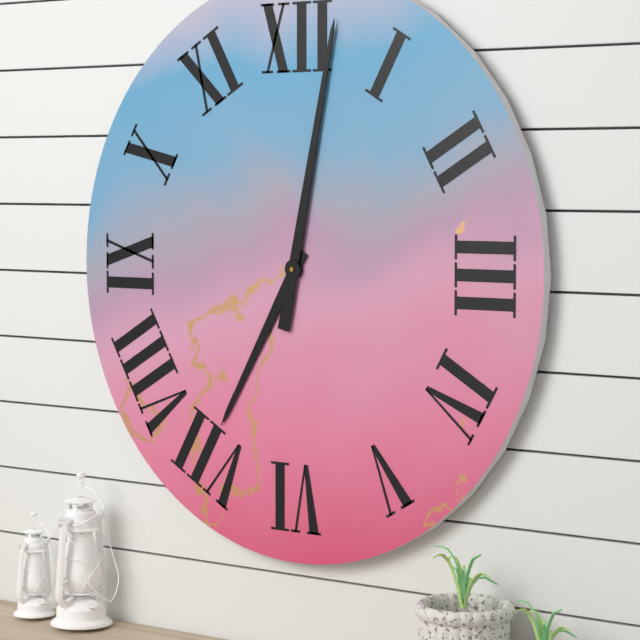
{"hour": 7, "minute": 2}
